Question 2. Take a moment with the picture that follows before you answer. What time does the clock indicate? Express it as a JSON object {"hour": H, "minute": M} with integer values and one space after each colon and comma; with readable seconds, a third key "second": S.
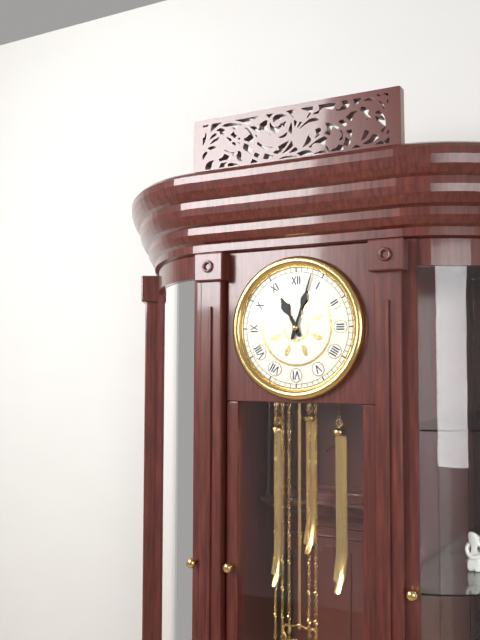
{"hour": 11, "minute": 3}
